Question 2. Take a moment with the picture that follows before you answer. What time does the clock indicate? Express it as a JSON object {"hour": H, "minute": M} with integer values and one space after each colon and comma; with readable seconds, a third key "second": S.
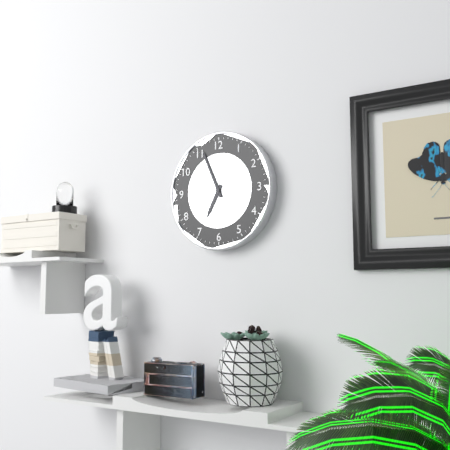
{"hour": 6, "minute": 56}
